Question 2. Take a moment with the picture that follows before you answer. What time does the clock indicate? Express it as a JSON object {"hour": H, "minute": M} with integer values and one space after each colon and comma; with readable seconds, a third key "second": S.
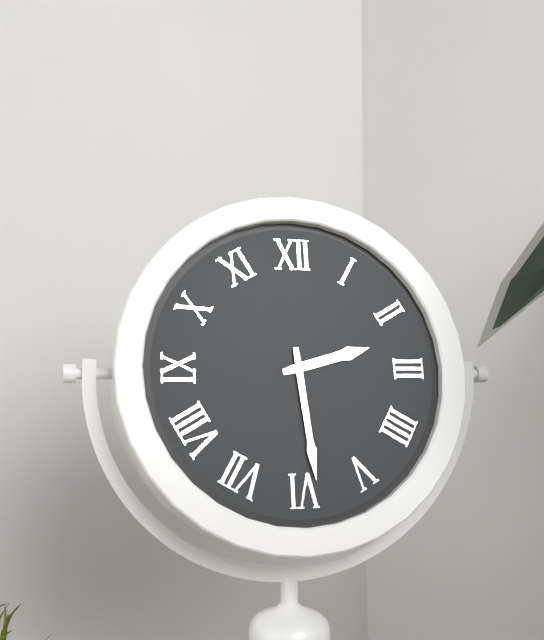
{"hour": 2, "minute": 29}
